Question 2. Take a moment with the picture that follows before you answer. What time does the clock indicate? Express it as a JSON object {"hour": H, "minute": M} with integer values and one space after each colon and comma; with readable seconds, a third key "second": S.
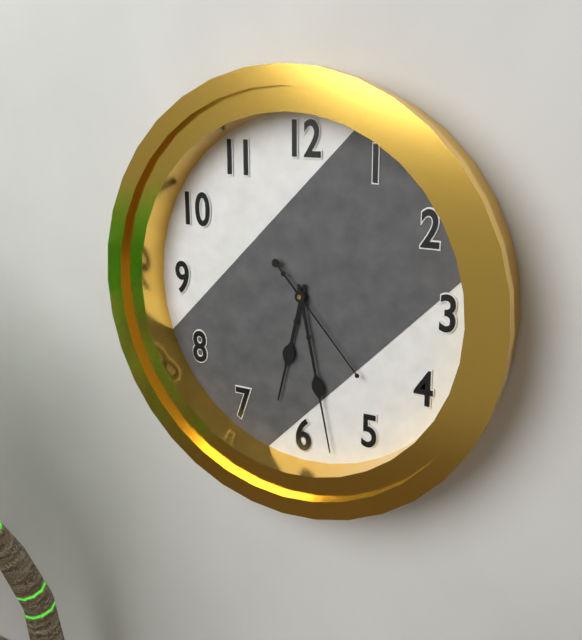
{"hour": 6, "minute": 28, "second": 23}
